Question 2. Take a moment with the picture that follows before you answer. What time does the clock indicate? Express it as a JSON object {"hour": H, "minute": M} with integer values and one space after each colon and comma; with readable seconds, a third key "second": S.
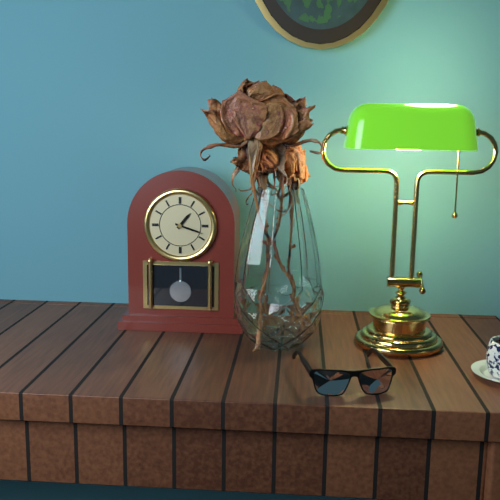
{"hour": 1, "minute": 18}
